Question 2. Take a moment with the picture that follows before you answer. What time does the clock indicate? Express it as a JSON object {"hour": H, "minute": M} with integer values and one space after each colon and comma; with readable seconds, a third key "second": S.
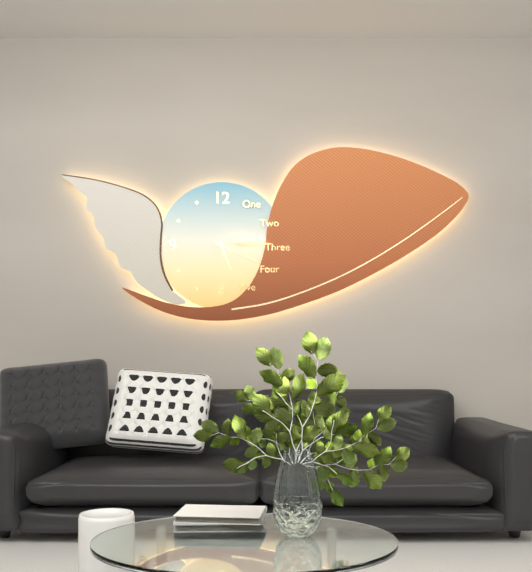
{"hour": 5, "minute": 19}
